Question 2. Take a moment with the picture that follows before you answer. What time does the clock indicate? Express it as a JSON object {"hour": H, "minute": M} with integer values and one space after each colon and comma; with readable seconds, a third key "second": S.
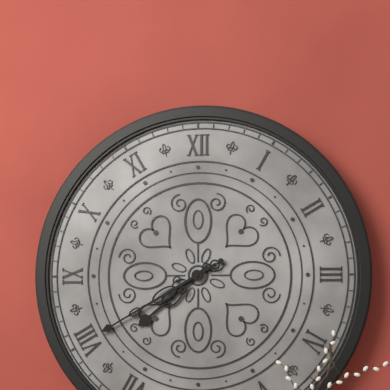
{"hour": 7, "minute": 40}
